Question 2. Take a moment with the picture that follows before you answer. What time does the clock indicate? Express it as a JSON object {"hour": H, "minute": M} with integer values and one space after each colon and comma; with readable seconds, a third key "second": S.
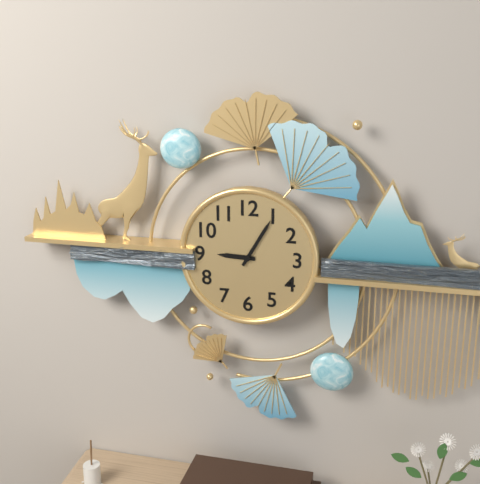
{"hour": 9, "minute": 5}
